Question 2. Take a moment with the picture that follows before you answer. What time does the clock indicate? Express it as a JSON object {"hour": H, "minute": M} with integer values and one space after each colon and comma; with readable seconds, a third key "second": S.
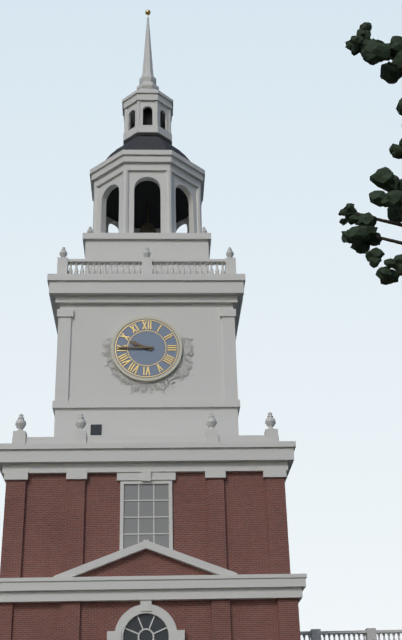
{"hour": 9, "minute": 45}
